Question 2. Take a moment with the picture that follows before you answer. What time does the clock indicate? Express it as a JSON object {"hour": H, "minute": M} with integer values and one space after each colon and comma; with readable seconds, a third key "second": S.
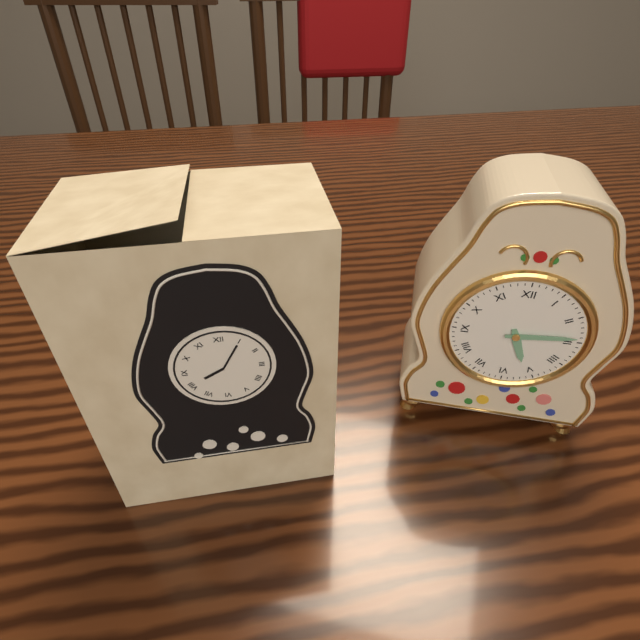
{"hour": 5, "minute": 14}
